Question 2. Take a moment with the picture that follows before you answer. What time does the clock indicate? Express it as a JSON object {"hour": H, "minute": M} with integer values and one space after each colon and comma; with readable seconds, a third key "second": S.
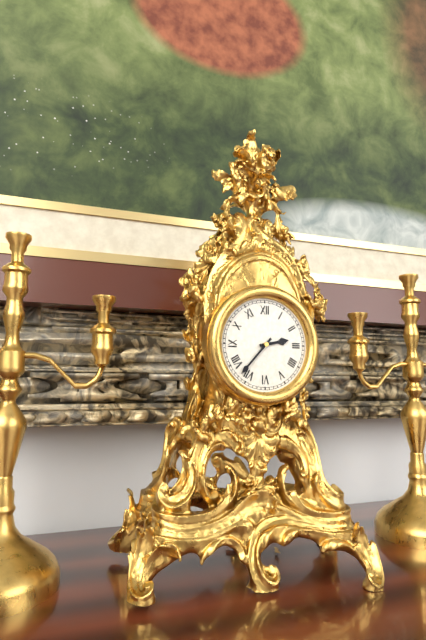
{"hour": 2, "minute": 37}
